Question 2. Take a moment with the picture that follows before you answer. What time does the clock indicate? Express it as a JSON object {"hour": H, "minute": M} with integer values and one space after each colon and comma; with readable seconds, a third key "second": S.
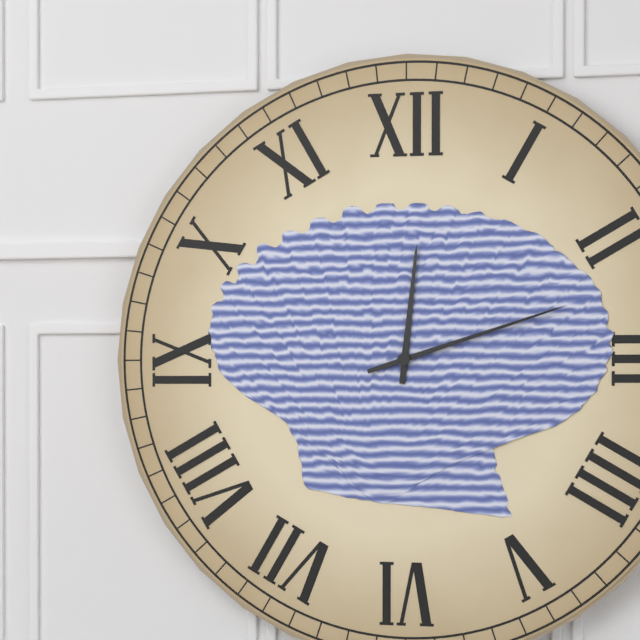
{"hour": 12, "minute": 12}
